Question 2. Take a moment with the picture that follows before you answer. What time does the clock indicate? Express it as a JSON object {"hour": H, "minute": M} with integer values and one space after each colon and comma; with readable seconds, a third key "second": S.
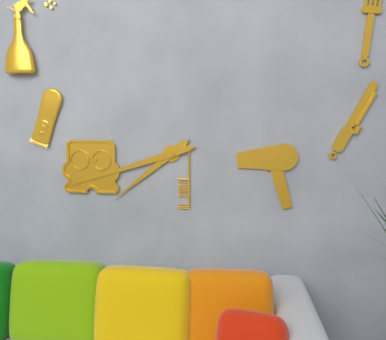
{"hour": 7, "minute": 42}
